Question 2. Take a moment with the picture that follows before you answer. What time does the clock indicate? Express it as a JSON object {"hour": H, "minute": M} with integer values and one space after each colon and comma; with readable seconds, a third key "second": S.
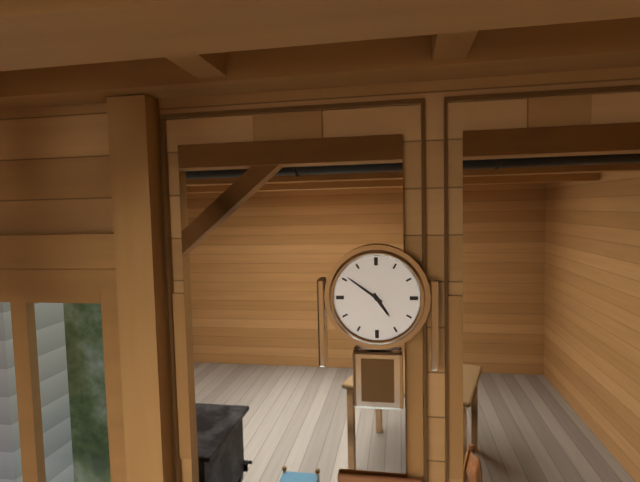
{"hour": 4, "minute": 51}
